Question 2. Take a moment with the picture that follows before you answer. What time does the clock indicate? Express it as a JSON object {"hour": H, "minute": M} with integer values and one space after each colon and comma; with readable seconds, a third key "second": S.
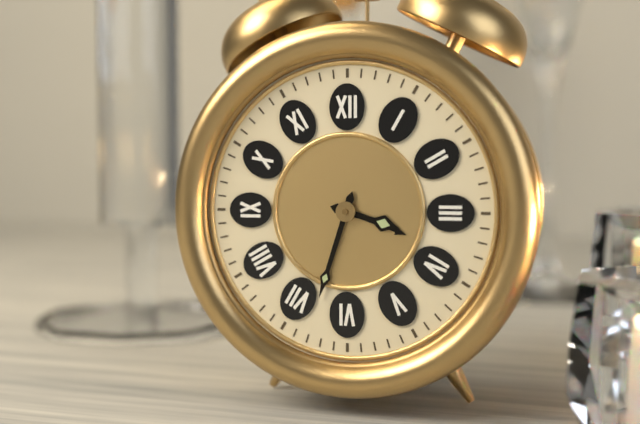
{"hour": 3, "minute": 33}
